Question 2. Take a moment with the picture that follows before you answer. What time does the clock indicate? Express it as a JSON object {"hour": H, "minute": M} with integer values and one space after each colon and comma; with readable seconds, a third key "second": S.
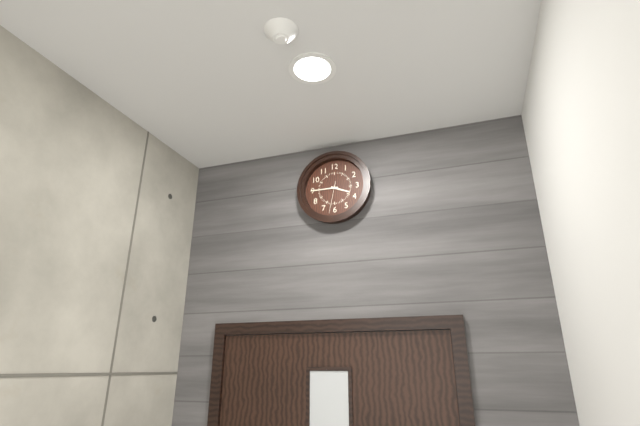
{"hour": 3, "minute": 45}
